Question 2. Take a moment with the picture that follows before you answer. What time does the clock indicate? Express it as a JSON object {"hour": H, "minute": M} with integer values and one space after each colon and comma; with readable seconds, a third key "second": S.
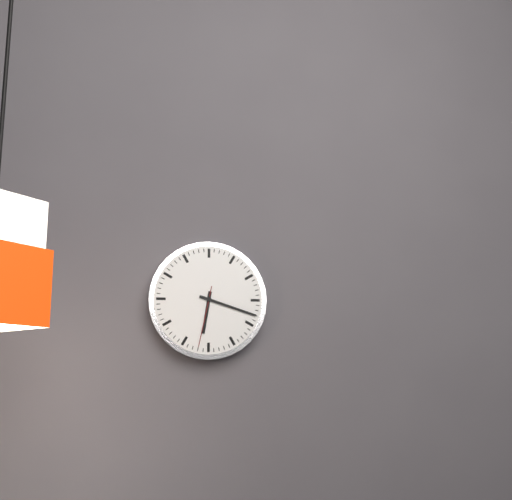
{"hour": 6, "minute": 18, "second": 32}
